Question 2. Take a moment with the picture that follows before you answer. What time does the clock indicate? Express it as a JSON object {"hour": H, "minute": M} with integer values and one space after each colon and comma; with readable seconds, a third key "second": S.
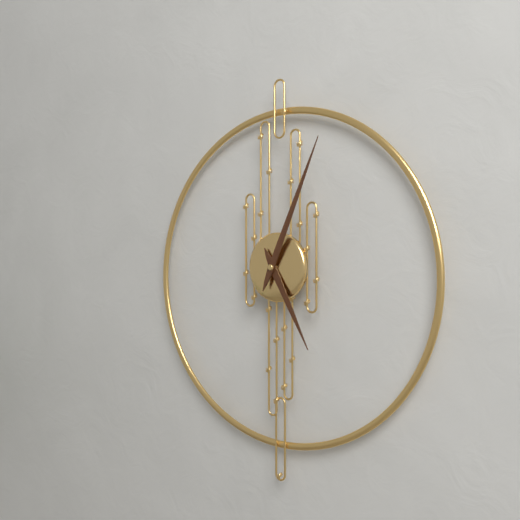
{"hour": 5, "minute": 4}
